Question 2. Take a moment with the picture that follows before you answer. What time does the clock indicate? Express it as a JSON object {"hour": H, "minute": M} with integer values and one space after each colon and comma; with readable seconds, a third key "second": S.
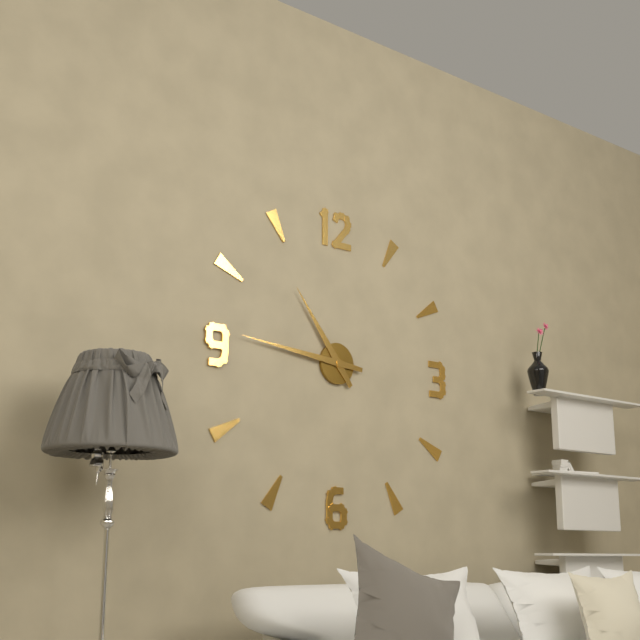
{"hour": 10, "minute": 46}
